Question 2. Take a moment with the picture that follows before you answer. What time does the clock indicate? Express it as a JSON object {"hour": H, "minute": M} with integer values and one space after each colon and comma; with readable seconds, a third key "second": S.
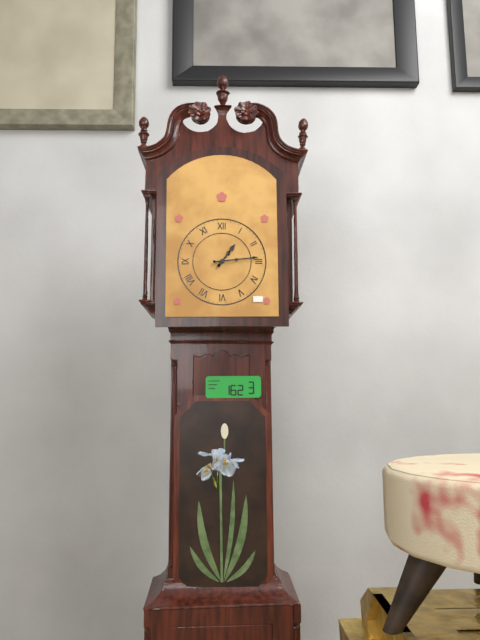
{"hour": 1, "minute": 14}
